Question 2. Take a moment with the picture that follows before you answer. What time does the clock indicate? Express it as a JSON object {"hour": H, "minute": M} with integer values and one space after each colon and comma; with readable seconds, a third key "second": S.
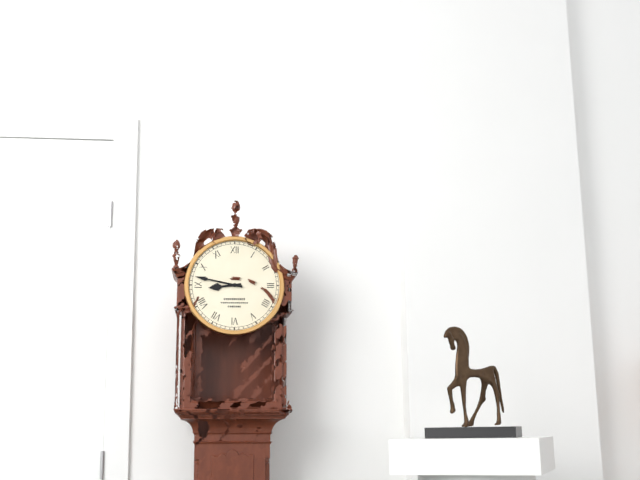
{"hour": 8, "minute": 47}
